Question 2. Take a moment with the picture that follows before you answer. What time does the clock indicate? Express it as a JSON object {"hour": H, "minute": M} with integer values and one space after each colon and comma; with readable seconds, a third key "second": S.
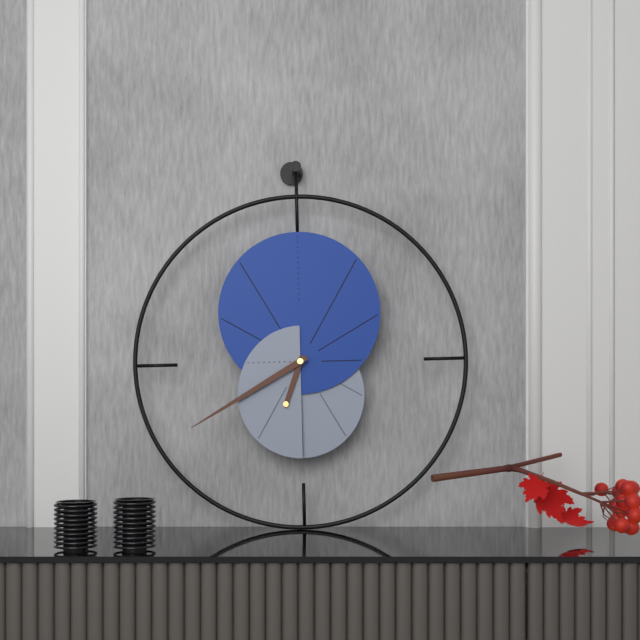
{"hour": 6, "minute": 40}
